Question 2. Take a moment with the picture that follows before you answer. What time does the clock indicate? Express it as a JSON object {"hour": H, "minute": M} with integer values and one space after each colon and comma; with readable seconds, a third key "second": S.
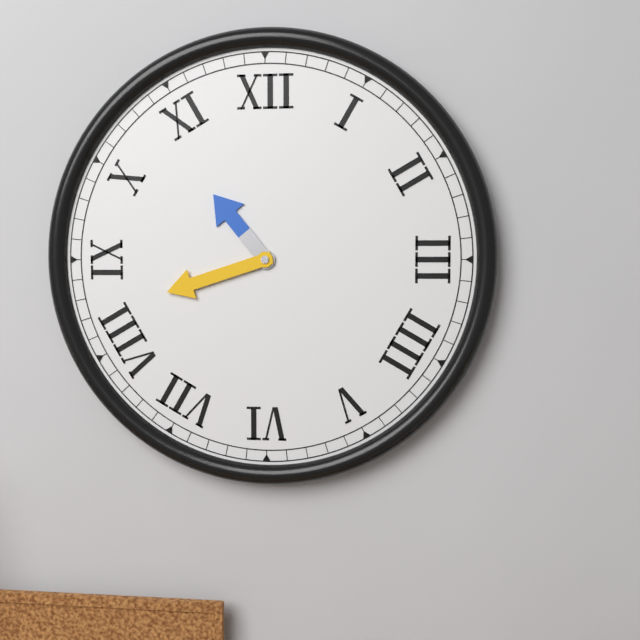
{"hour": 10, "minute": 42}
